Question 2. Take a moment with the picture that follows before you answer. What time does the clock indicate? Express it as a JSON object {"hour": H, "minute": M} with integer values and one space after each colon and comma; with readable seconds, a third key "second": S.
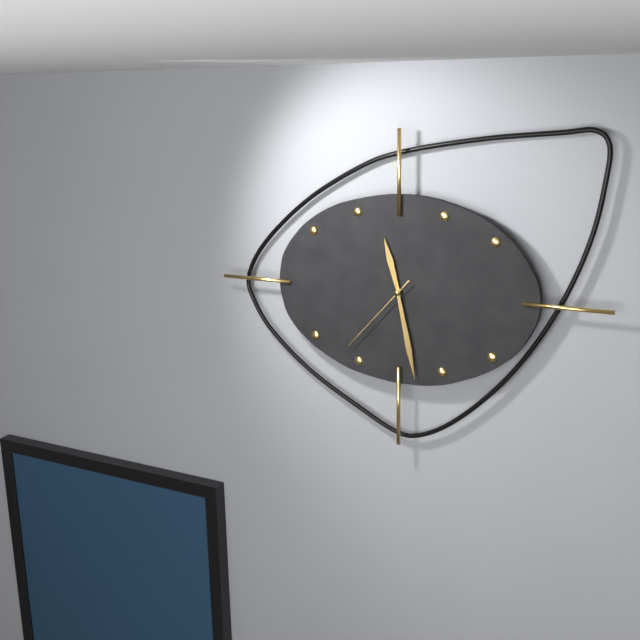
{"hour": 11, "minute": 28, "second": 37}
